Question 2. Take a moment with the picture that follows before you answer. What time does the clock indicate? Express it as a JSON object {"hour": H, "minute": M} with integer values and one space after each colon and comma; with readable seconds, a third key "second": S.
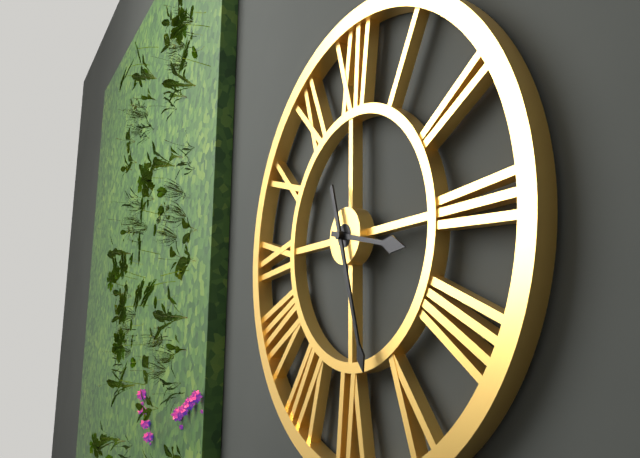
{"hour": 3, "minute": 27}
